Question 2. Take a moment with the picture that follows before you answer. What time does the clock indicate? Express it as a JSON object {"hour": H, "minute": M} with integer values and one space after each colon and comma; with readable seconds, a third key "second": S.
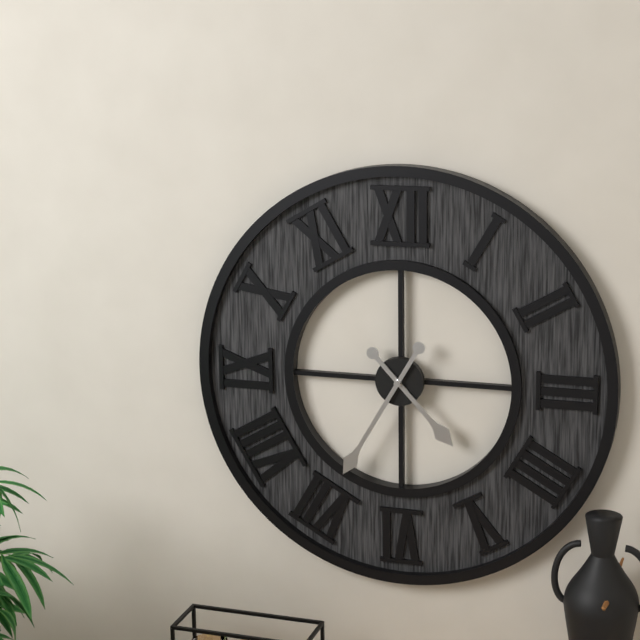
{"hour": 4, "minute": 35}
